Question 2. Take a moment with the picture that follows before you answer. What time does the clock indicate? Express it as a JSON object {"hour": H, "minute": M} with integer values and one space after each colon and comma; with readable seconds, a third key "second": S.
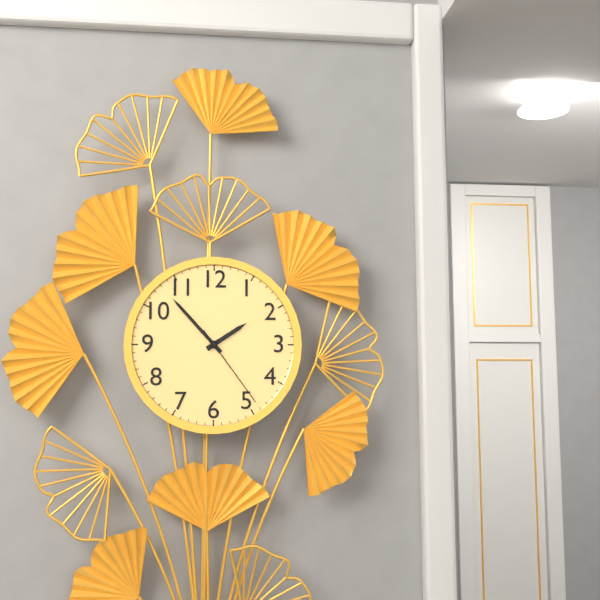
{"hour": 1, "minute": 53, "second": 24}
